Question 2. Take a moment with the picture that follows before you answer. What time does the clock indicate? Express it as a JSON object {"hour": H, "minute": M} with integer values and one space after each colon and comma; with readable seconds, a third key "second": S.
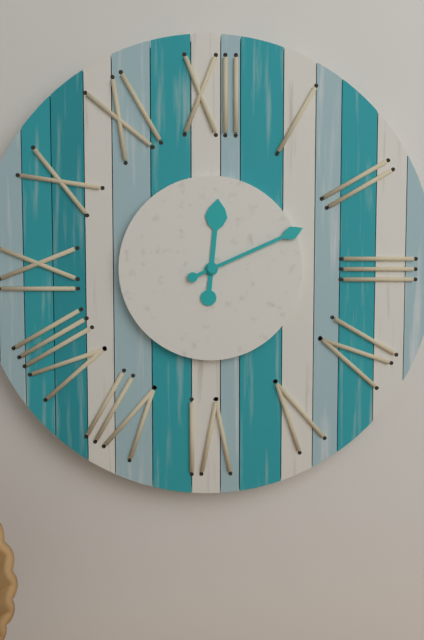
{"hour": 12, "minute": 11}
